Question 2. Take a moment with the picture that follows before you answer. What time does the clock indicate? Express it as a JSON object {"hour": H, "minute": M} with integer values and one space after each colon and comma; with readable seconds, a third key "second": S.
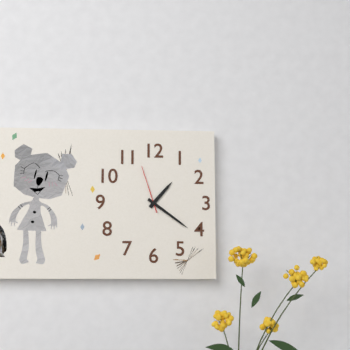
{"hour": 1, "minute": 21}
